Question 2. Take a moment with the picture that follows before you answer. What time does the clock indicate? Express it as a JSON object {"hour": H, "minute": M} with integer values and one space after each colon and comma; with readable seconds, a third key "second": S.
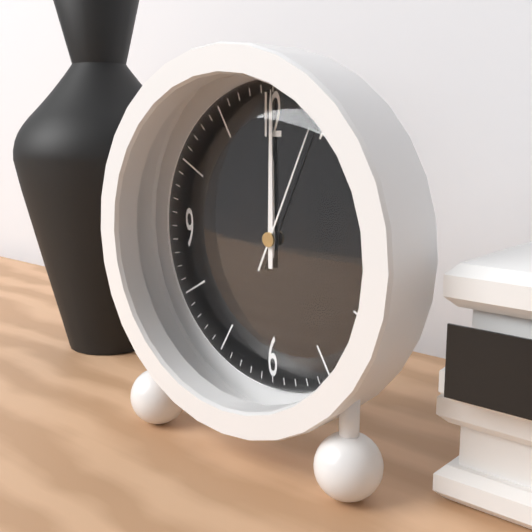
{"hour": 12, "minute": 0, "second": 4}
